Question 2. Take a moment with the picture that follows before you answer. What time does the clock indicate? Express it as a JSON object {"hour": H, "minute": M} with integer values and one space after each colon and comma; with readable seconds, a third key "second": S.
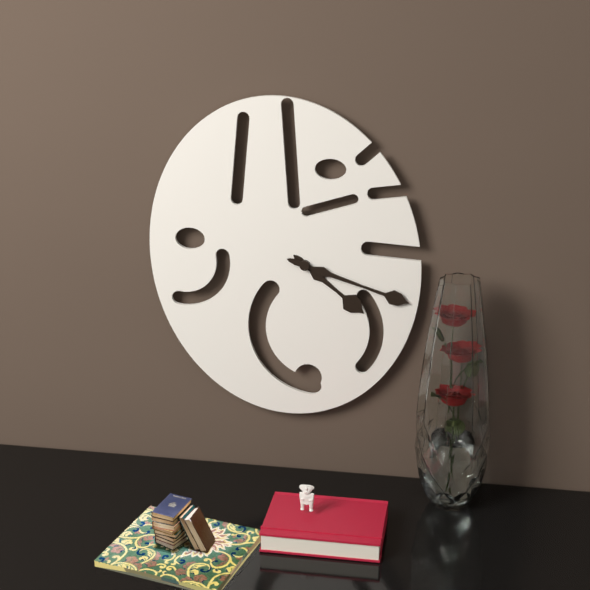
{"hour": 4, "minute": 18}
